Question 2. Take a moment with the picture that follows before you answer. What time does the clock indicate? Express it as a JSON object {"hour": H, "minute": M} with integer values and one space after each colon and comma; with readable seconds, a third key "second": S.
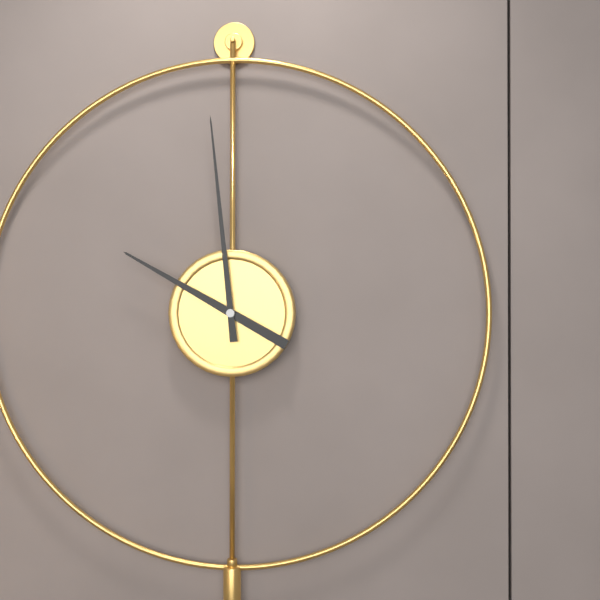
{"hour": 9, "minute": 59}
